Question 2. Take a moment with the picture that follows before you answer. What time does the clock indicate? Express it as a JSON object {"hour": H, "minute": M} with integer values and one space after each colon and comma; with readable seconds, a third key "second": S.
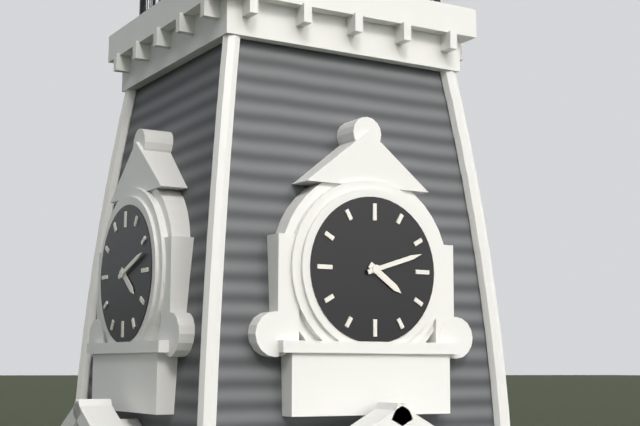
{"hour": 4, "minute": 12}
